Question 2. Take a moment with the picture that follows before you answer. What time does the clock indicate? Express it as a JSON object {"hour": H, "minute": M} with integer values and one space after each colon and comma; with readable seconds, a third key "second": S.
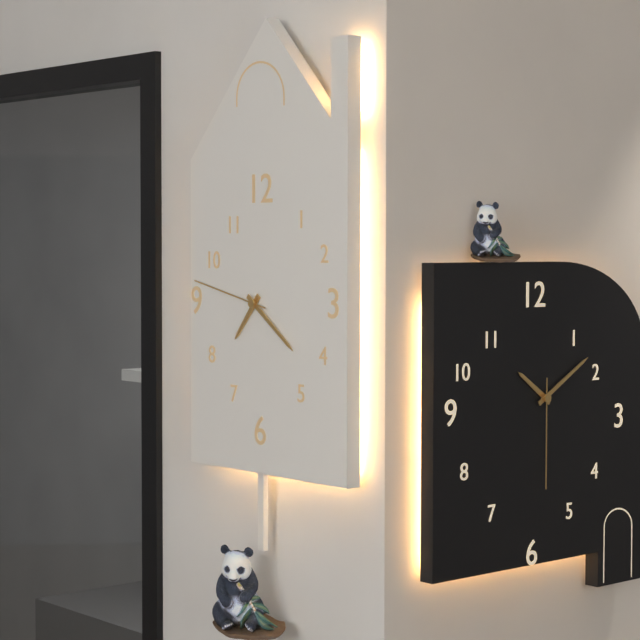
{"hour": 7, "minute": 21, "second": 47}
